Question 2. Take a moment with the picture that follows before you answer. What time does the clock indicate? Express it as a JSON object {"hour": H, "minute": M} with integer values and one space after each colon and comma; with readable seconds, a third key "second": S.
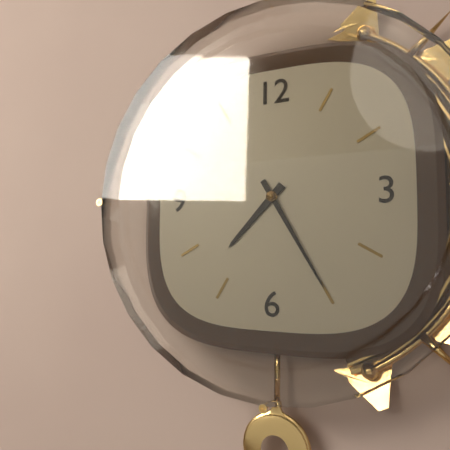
{"hour": 7, "minute": 25}
